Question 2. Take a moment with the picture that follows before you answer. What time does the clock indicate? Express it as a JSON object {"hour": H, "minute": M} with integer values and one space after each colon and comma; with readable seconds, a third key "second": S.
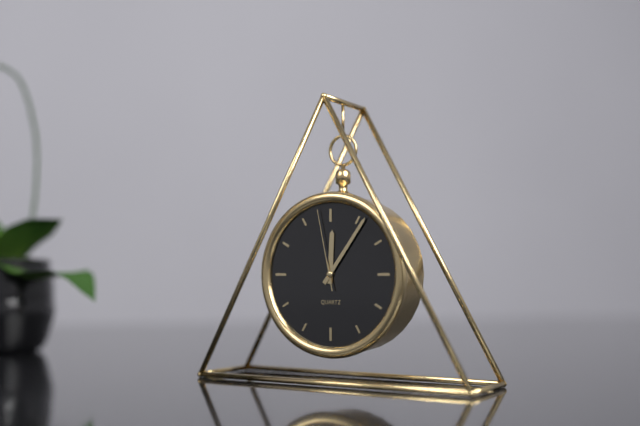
{"hour": 12, "minute": 6, "second": 58}
